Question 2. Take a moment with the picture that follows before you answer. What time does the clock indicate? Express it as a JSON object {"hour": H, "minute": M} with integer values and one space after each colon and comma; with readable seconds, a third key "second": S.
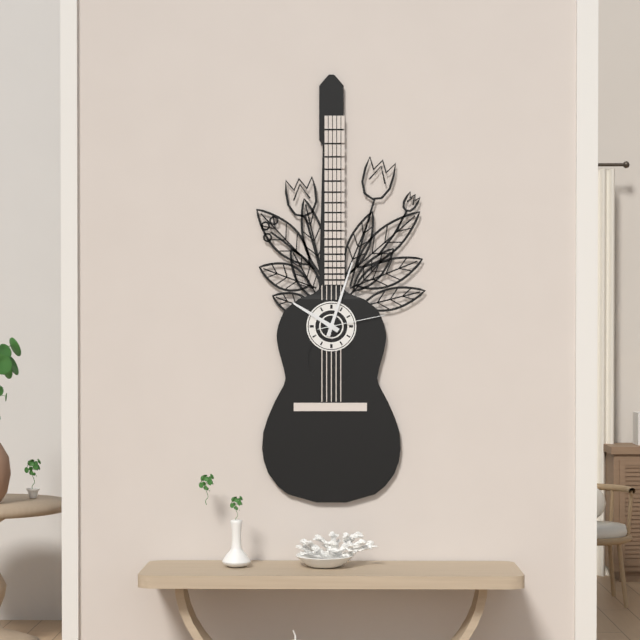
{"hour": 10, "minute": 3, "second": 13}
